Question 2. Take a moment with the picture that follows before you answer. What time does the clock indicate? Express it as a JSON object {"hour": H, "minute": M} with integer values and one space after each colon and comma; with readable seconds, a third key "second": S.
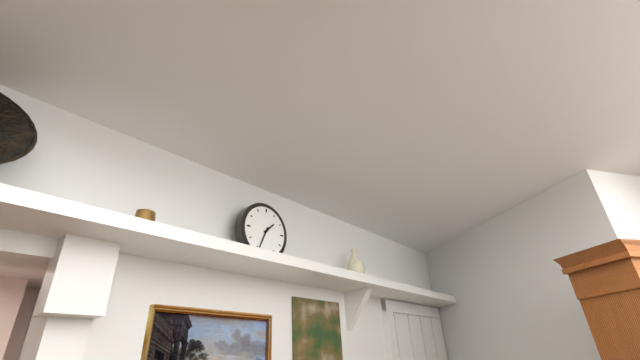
{"hour": 1, "minute": 34}
